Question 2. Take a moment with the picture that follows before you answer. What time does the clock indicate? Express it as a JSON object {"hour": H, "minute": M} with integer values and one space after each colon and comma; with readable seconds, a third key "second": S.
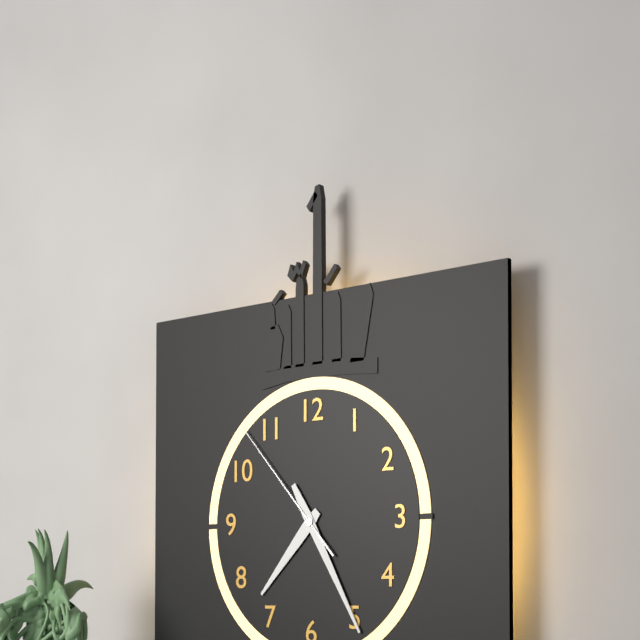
{"hour": 7, "minute": 25, "second": 53}
